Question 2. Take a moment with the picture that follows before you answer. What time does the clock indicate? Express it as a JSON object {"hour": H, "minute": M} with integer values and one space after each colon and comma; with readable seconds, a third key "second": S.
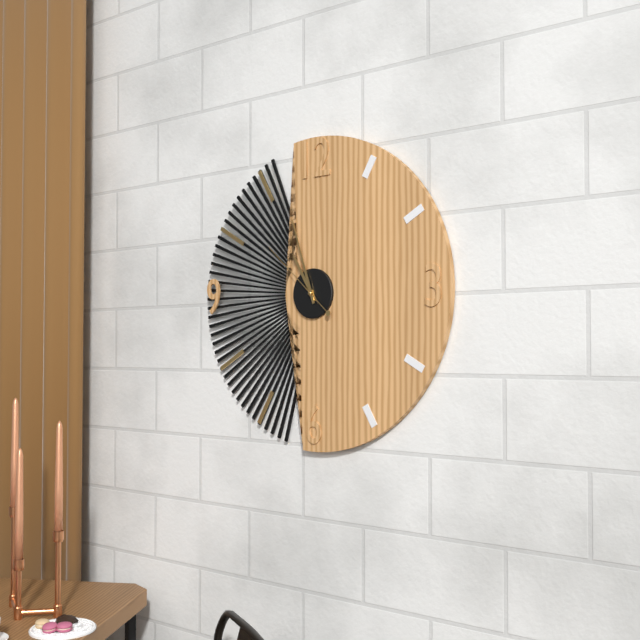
{"hour": 10, "minute": 57, "second": 52}
